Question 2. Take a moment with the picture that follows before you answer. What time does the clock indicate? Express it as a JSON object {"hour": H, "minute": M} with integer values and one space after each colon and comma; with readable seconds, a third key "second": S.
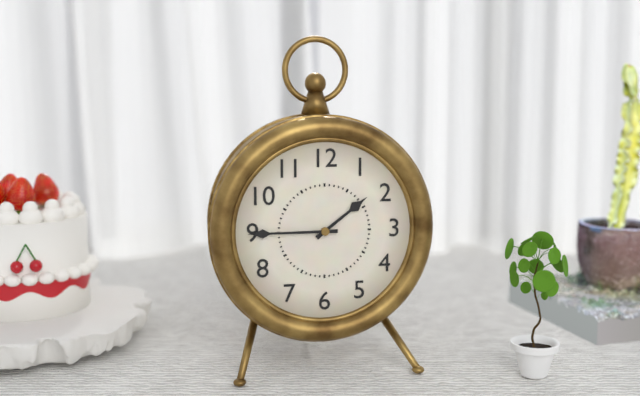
{"hour": 1, "minute": 45}
